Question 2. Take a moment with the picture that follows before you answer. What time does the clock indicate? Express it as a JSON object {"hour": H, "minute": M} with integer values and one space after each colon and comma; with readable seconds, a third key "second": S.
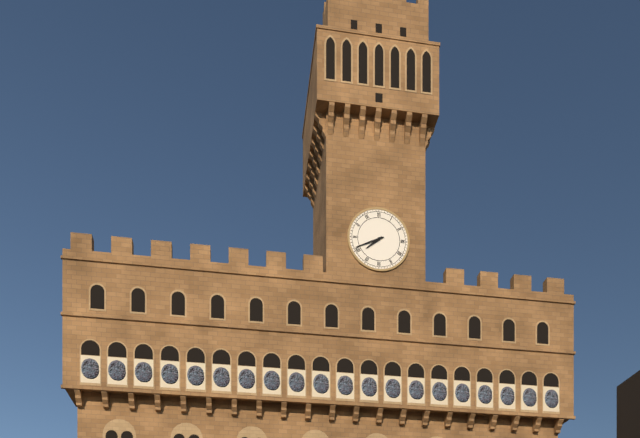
{"hour": 7, "minute": 41}
